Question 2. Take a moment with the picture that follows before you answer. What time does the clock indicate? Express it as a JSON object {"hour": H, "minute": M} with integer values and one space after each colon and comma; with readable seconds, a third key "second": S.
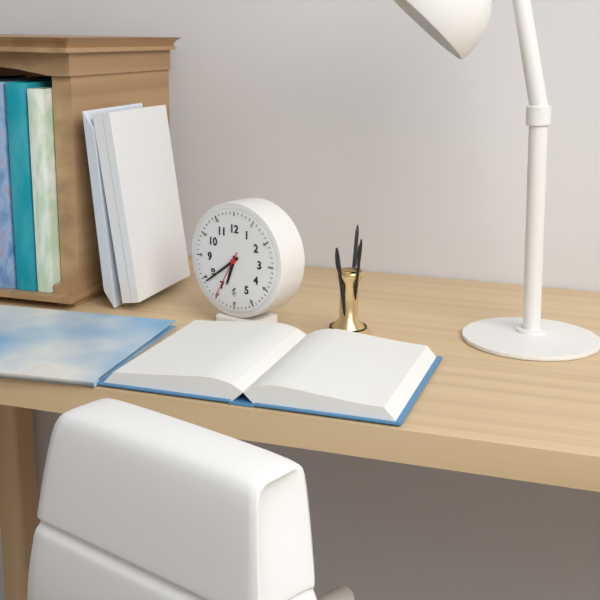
{"hour": 6, "minute": 39}
